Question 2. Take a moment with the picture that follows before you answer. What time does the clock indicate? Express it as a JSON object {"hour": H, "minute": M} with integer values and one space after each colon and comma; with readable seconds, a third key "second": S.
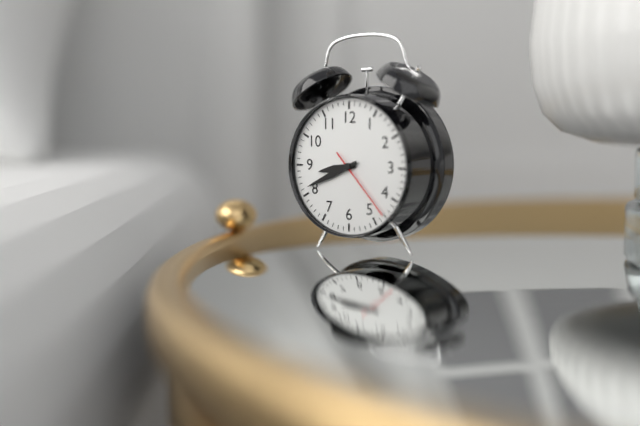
{"hour": 8, "minute": 41, "second": 23}
